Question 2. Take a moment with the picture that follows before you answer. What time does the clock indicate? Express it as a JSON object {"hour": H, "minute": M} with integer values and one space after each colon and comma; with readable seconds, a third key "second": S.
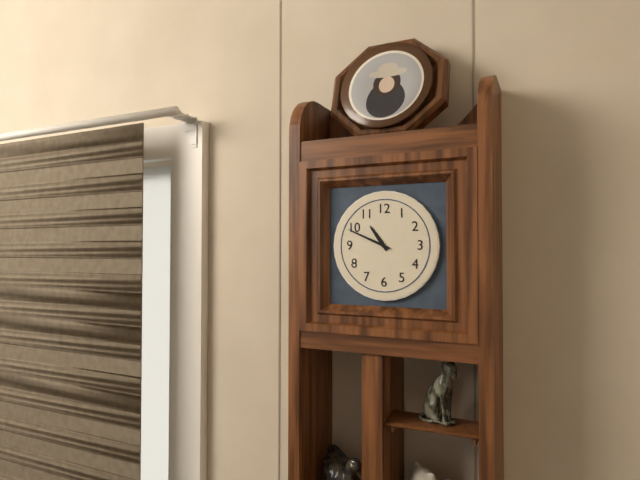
{"hour": 10, "minute": 49}
